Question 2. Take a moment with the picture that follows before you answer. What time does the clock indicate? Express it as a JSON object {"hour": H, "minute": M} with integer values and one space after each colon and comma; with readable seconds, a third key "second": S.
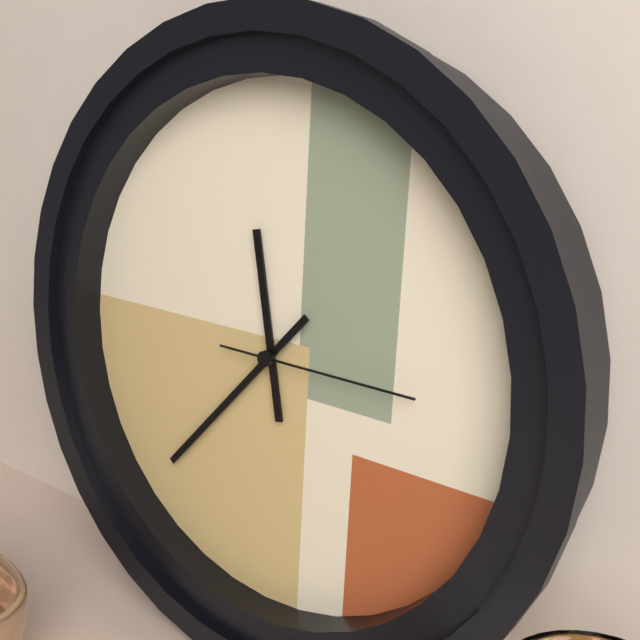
{"hour": 11, "minute": 37, "second": 15}
